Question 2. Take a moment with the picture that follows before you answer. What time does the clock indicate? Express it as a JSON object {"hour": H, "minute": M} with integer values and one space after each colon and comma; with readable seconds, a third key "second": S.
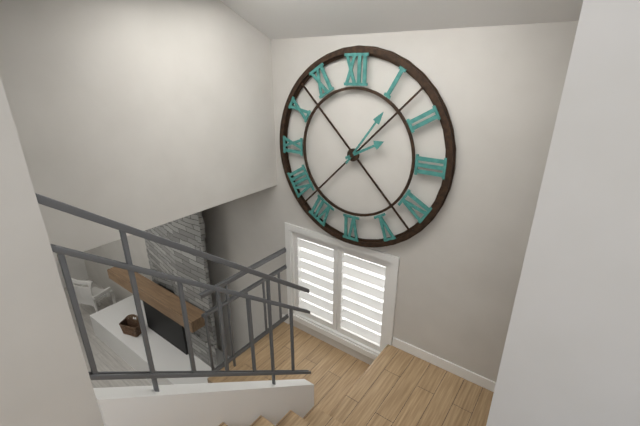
{"hour": 2, "minute": 6}
